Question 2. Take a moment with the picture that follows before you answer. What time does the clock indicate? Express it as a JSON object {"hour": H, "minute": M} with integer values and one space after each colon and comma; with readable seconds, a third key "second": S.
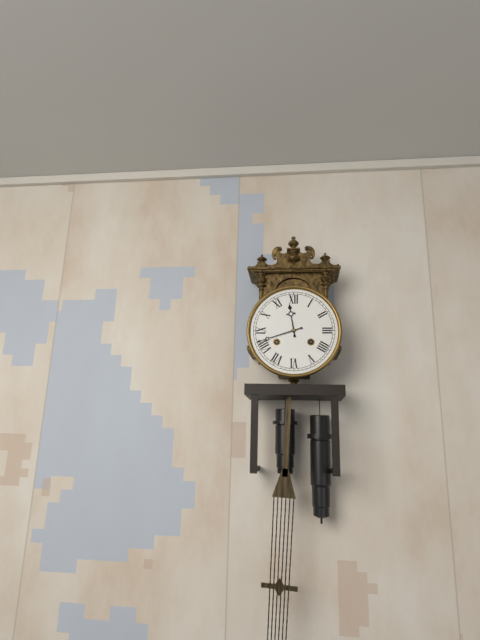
{"hour": 11, "minute": 42}
